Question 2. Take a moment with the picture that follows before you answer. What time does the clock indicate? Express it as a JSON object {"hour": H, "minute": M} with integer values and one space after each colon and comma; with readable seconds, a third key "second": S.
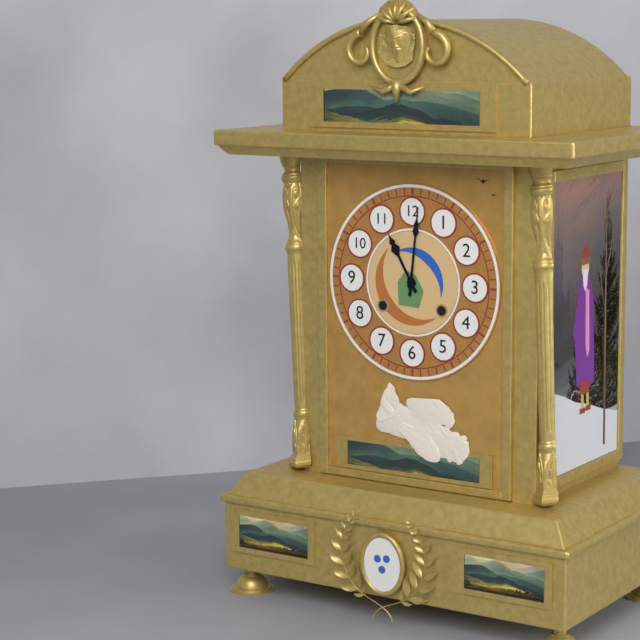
{"hour": 11, "minute": 1}
